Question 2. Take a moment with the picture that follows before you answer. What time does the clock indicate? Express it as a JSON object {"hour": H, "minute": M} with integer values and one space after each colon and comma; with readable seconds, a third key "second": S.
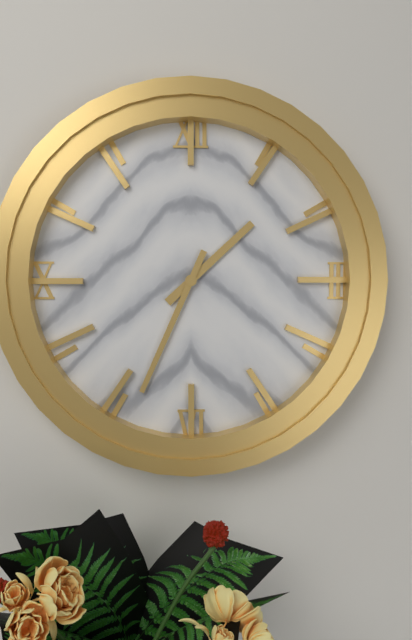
{"hour": 1, "minute": 34}
